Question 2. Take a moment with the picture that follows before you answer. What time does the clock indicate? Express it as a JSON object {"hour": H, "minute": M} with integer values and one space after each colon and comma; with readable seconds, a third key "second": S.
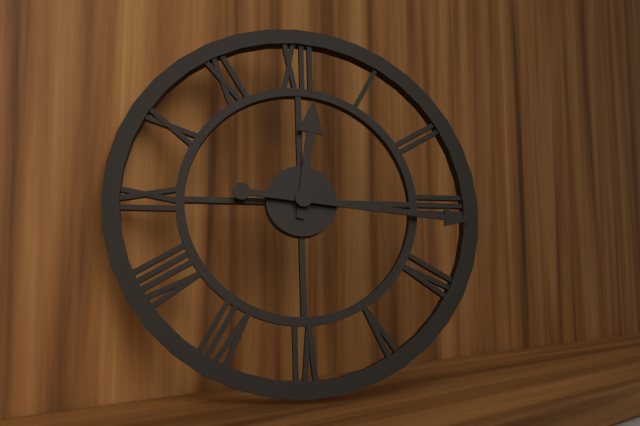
{"hour": 12, "minute": 16}
